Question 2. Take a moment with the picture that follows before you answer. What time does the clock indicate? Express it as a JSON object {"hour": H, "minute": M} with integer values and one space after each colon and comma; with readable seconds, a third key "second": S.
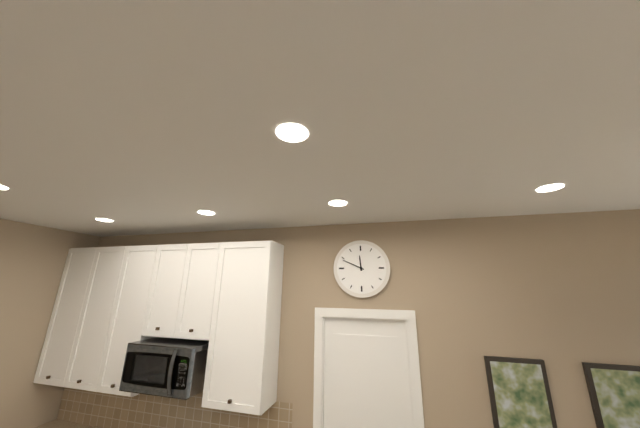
{"hour": 11, "minute": 49}
